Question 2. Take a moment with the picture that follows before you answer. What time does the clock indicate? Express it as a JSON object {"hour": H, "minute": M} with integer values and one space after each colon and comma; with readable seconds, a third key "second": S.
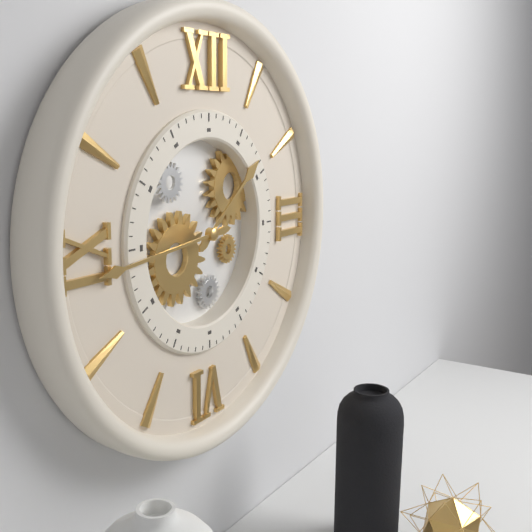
{"hour": 1, "minute": 44}
